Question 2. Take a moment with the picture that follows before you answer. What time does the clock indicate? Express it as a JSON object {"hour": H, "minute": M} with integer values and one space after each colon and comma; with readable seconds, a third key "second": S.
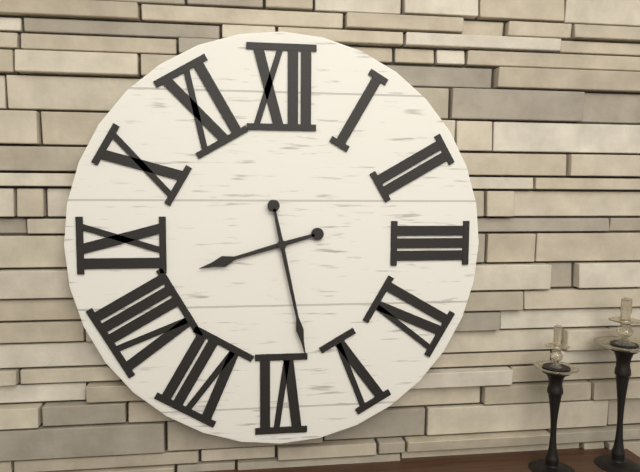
{"hour": 8, "minute": 28}
